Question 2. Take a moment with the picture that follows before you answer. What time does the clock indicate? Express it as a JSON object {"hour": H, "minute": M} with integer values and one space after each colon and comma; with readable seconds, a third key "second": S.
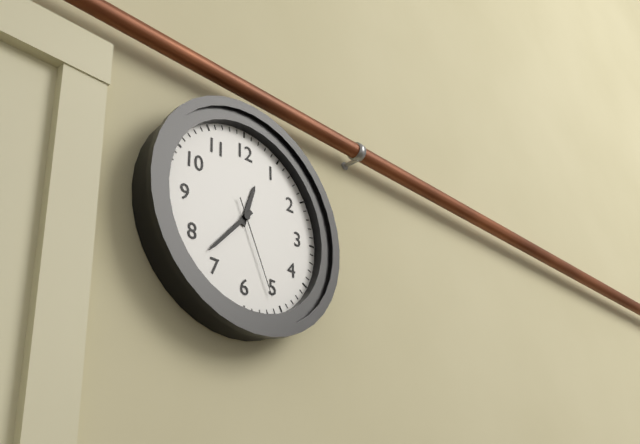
{"hour": 12, "minute": 37, "second": 26}
